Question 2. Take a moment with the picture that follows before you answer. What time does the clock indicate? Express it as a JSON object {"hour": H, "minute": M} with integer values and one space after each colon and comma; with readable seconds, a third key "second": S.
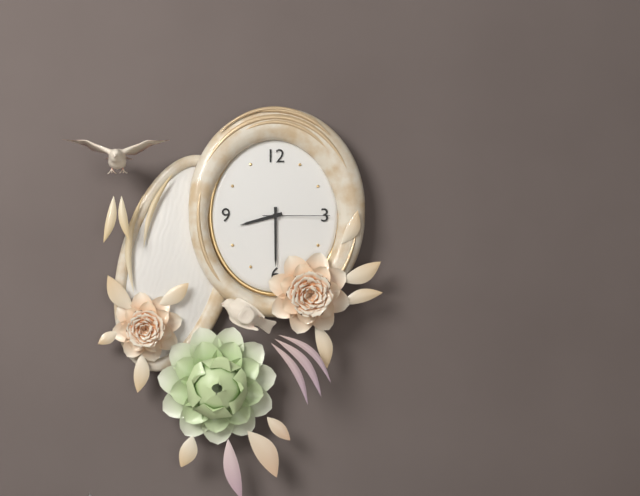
{"hour": 8, "minute": 30, "second": 15}
